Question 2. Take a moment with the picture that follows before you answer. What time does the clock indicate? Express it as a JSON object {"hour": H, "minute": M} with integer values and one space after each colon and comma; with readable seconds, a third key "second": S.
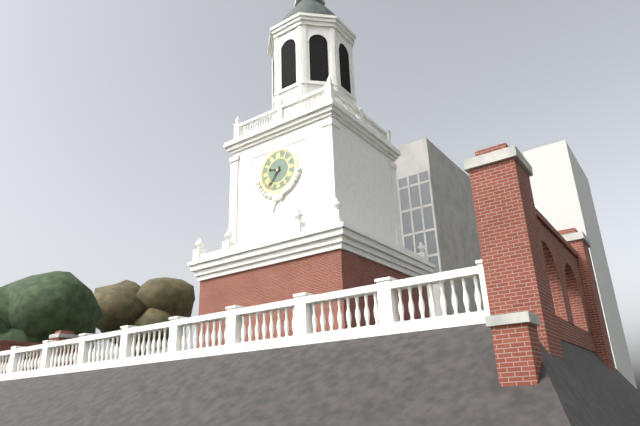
{"hour": 9, "minute": 36}
